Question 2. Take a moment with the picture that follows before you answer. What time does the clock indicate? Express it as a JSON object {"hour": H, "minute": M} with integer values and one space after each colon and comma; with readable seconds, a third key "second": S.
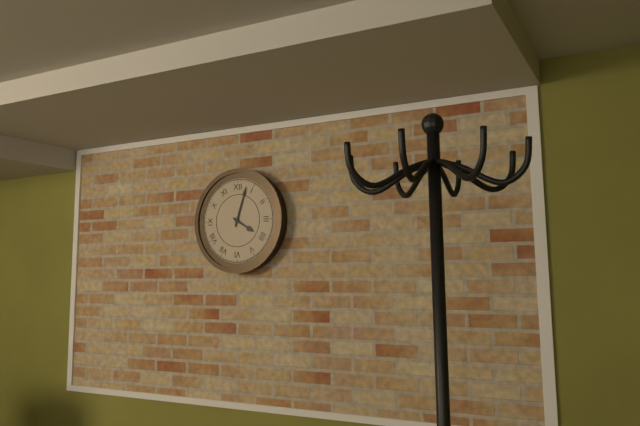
{"hour": 4, "minute": 3}
